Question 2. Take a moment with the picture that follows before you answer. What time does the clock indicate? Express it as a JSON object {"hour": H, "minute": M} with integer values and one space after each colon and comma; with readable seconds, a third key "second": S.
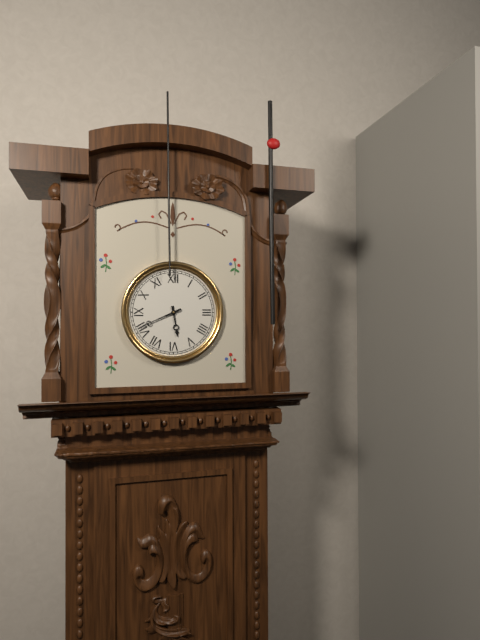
{"hour": 5, "minute": 41}
